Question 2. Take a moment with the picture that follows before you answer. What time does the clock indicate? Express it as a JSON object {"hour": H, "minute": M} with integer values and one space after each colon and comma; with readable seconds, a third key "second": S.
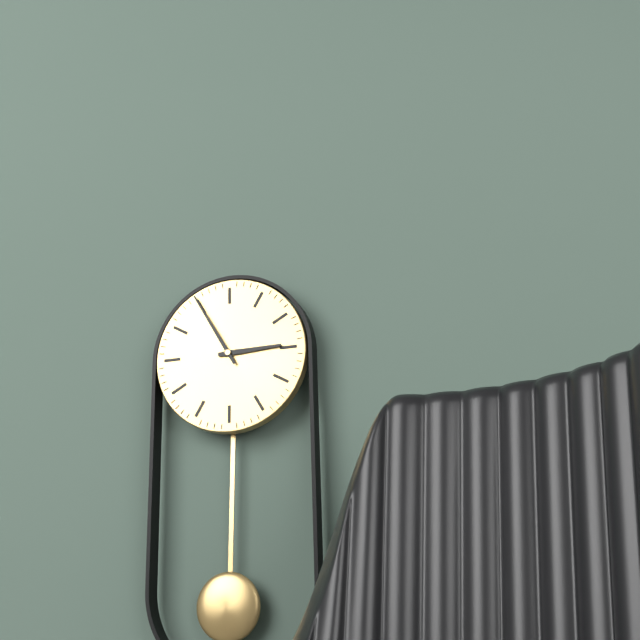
{"hour": 2, "minute": 55}
